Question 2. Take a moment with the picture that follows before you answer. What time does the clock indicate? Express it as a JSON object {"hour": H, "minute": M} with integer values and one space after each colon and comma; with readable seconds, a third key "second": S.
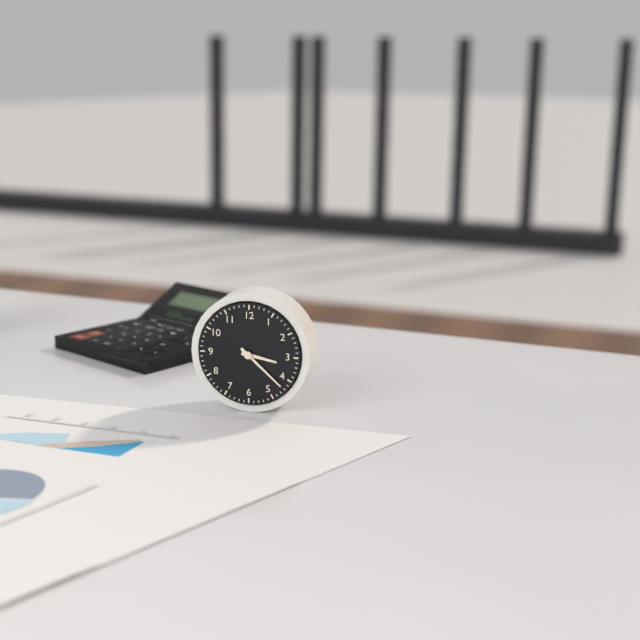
{"hour": 3, "minute": 22}
